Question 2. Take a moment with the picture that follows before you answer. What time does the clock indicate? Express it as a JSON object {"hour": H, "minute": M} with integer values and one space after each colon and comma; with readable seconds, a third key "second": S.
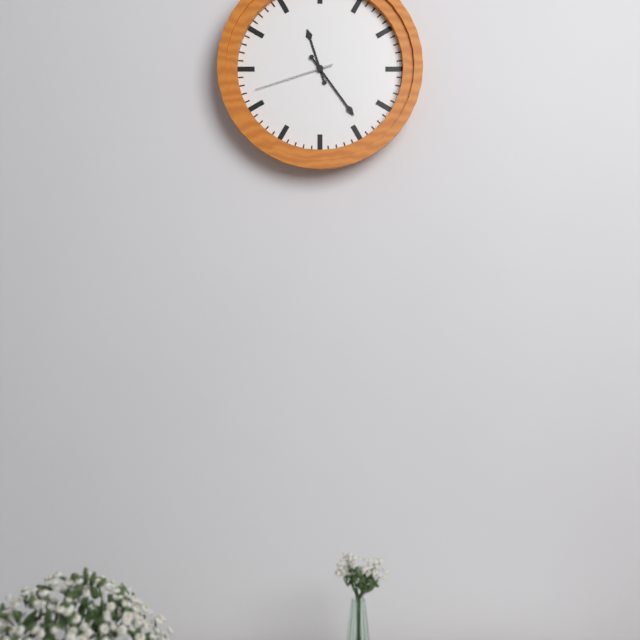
{"hour": 11, "minute": 24, "second": 42}
